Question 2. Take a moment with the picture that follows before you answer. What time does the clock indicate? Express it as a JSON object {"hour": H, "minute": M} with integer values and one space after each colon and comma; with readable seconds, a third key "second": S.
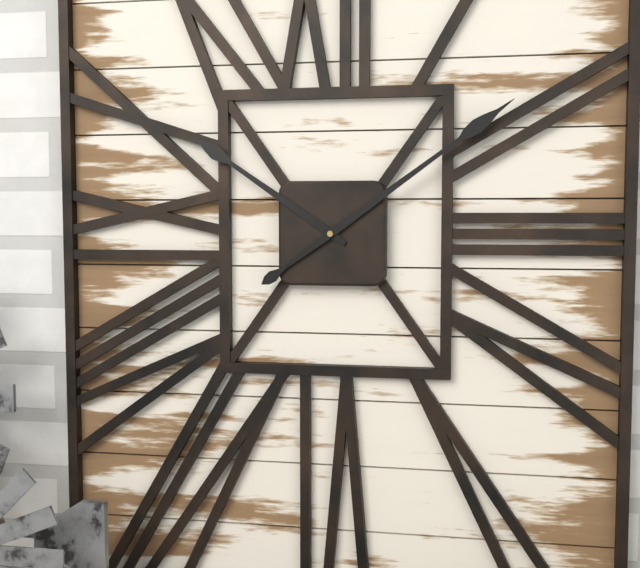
{"hour": 10, "minute": 9}
